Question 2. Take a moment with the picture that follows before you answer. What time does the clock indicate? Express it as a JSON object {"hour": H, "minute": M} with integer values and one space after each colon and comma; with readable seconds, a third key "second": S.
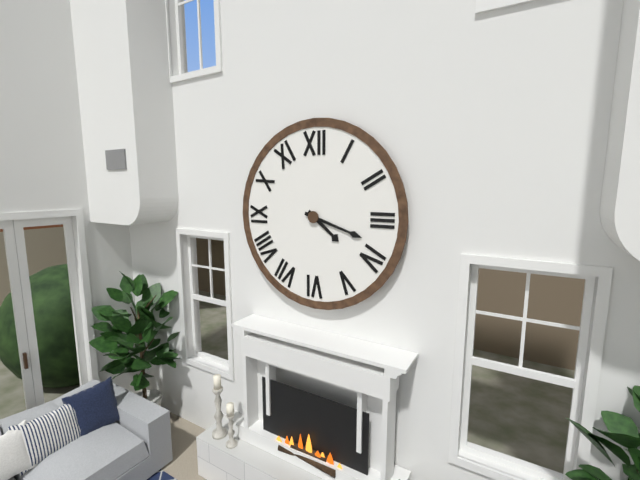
{"hour": 4, "minute": 18}
